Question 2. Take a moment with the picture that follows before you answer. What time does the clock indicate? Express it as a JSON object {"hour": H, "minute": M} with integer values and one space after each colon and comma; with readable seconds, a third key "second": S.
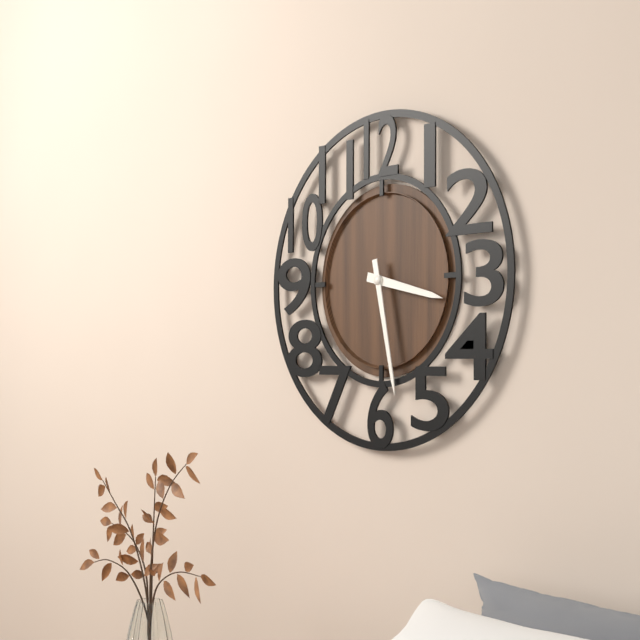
{"hour": 3, "minute": 28}
